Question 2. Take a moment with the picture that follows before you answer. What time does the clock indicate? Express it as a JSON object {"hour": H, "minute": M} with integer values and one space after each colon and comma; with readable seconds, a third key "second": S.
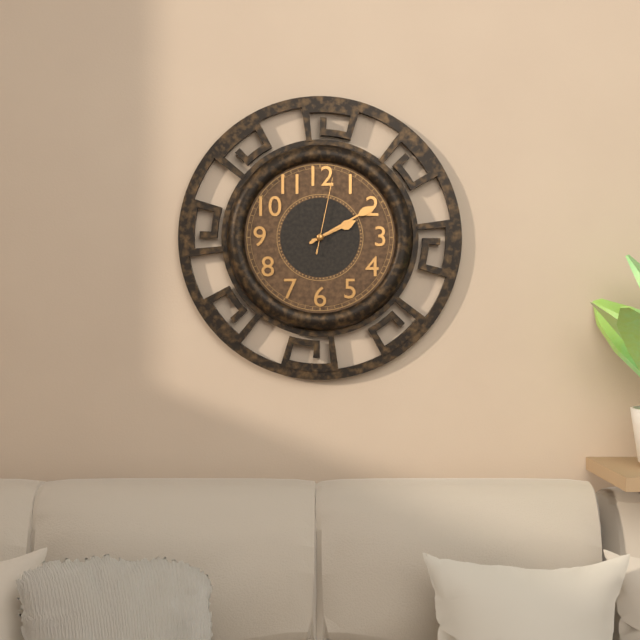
{"hour": 2, "minute": 10, "second": 2}
